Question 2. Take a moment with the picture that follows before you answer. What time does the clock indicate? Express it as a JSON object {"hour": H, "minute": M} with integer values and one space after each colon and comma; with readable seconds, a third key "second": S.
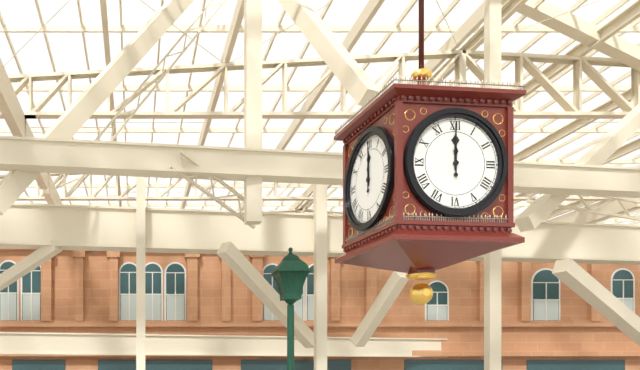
{"hour": 12, "minute": 0}
